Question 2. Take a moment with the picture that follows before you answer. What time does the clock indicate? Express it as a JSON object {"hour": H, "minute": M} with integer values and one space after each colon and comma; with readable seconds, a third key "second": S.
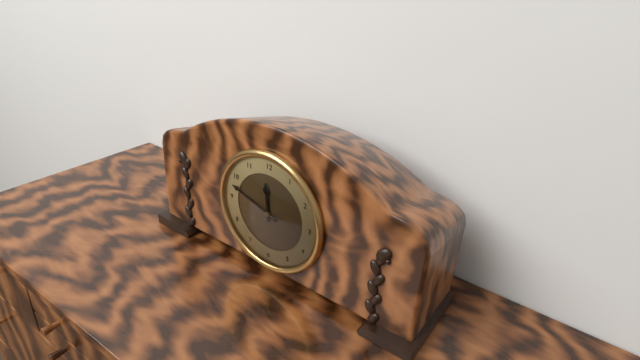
{"hour": 11, "minute": 48}
